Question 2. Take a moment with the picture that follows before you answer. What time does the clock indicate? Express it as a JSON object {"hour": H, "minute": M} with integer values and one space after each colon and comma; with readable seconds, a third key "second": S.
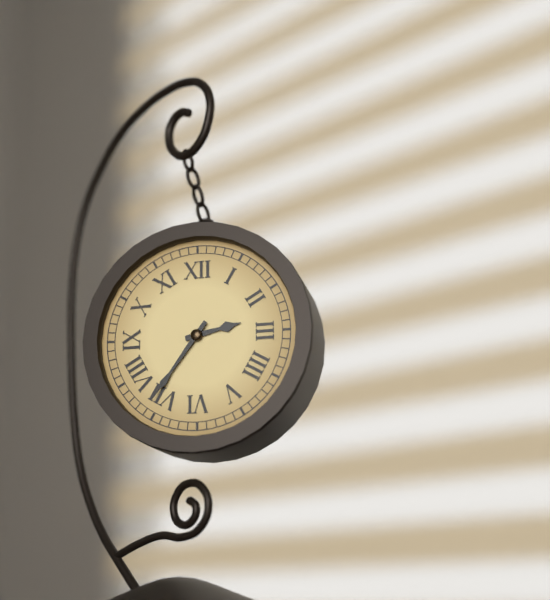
{"hour": 2, "minute": 36}
